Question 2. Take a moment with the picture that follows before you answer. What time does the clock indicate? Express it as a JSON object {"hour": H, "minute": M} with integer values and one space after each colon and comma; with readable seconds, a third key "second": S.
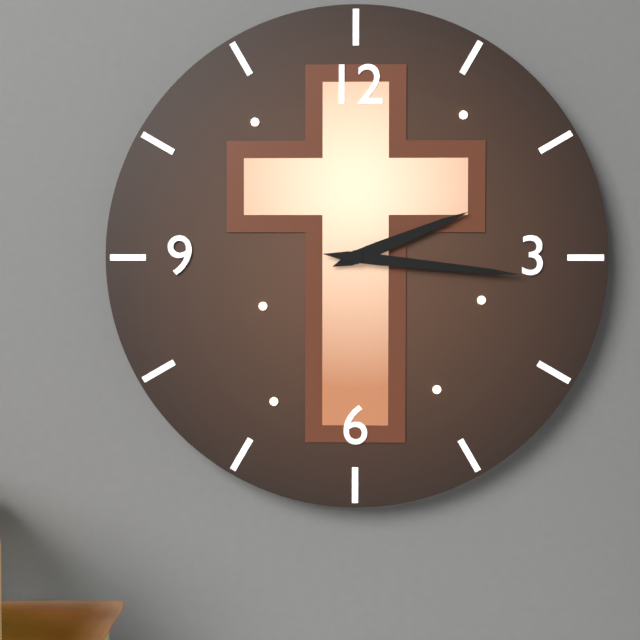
{"hour": 2, "minute": 16}
